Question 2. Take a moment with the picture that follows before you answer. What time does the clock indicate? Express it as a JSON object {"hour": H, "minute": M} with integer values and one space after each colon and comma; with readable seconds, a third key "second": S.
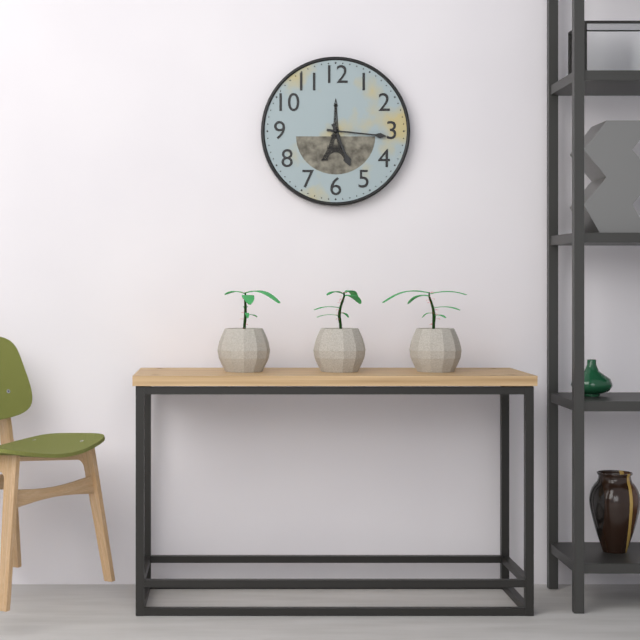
{"hour": 5, "minute": 16}
